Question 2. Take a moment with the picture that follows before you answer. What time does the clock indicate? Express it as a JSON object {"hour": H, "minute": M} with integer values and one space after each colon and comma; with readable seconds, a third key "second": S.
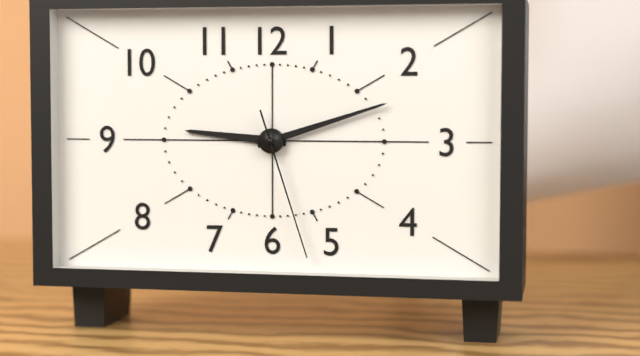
{"hour": 9, "minute": 12, "second": 27}
